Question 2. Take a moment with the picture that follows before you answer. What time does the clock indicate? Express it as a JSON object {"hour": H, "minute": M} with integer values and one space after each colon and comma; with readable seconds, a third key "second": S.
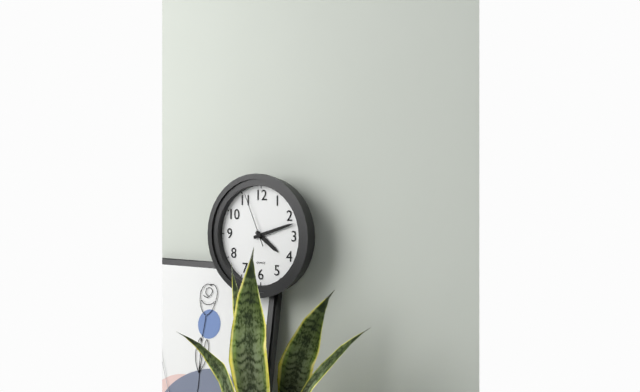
{"hour": 4, "minute": 12, "second": 56}
